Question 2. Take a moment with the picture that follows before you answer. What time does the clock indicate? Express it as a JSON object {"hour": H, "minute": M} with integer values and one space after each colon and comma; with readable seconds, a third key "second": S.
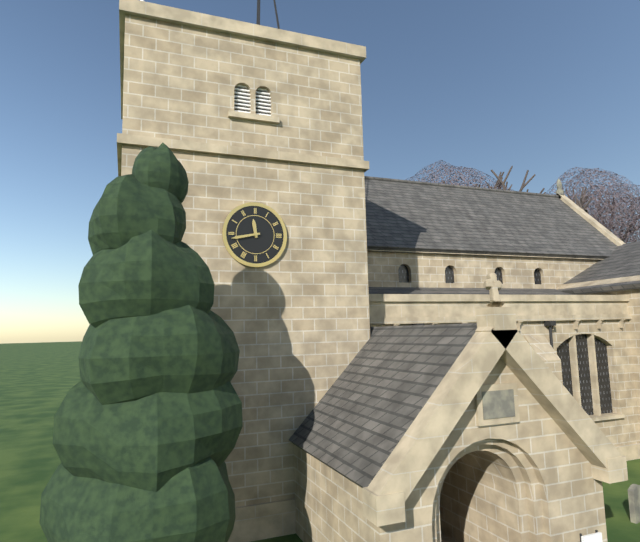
{"hour": 11, "minute": 43}
